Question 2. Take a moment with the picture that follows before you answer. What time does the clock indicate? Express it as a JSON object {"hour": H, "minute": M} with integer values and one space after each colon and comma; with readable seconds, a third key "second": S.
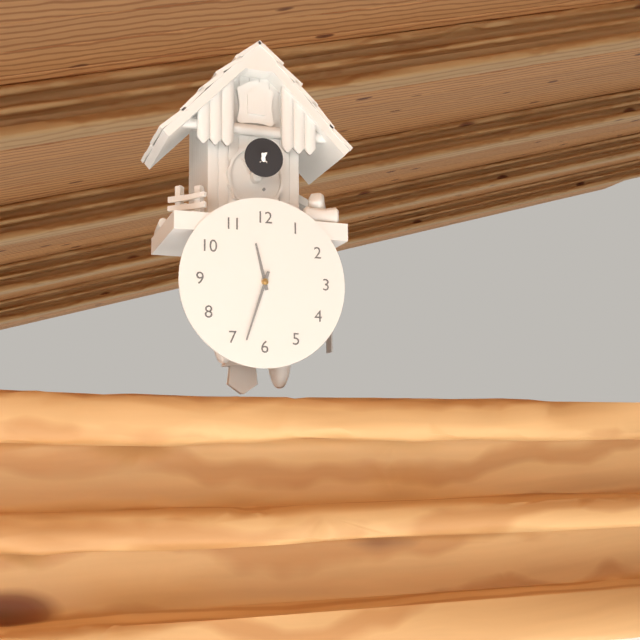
{"hour": 11, "minute": 33}
